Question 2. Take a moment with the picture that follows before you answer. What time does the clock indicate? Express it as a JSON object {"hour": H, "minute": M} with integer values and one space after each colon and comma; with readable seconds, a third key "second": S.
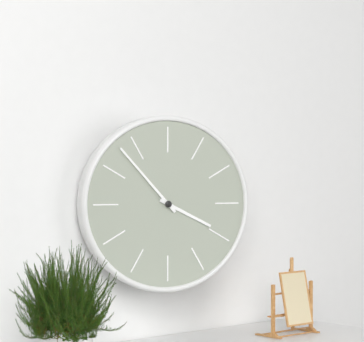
{"hour": 3, "minute": 53}
